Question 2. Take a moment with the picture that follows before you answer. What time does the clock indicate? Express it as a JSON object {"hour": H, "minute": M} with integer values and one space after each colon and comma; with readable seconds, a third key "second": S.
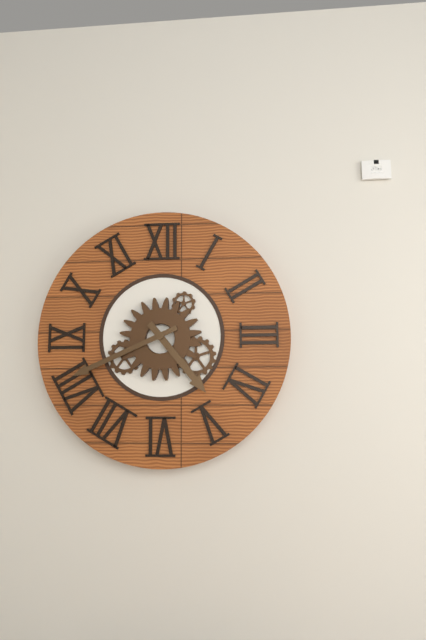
{"hour": 4, "minute": 41}
